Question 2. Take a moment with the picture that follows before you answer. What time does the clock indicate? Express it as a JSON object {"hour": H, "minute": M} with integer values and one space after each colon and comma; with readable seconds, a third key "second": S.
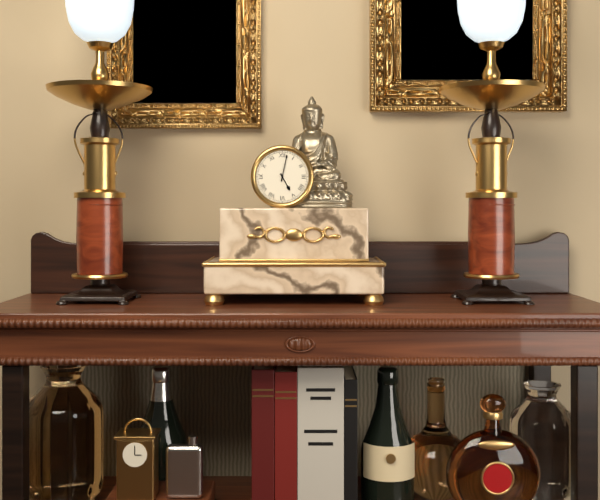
{"hour": 5, "minute": 2}
